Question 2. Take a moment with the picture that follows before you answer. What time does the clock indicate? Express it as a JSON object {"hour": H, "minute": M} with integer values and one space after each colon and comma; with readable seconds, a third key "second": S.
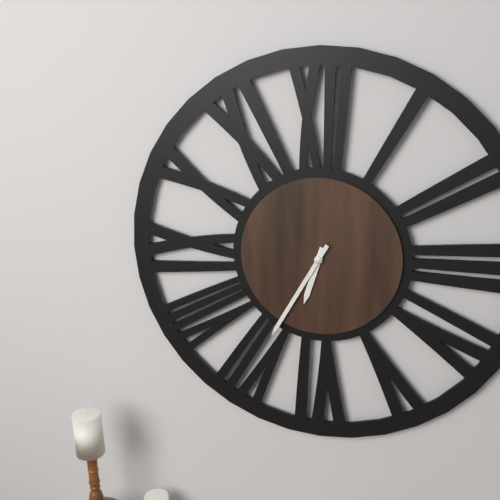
{"hour": 6, "minute": 35}
